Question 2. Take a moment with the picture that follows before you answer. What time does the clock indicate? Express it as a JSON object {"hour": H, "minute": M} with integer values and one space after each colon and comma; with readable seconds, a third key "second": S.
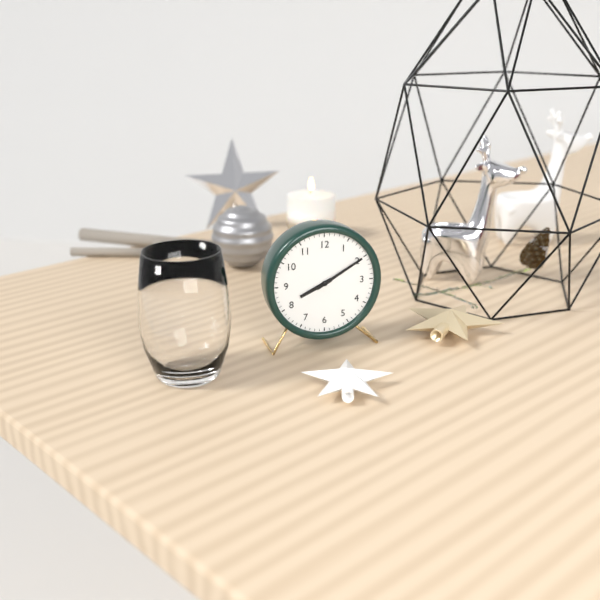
{"hour": 8, "minute": 10}
